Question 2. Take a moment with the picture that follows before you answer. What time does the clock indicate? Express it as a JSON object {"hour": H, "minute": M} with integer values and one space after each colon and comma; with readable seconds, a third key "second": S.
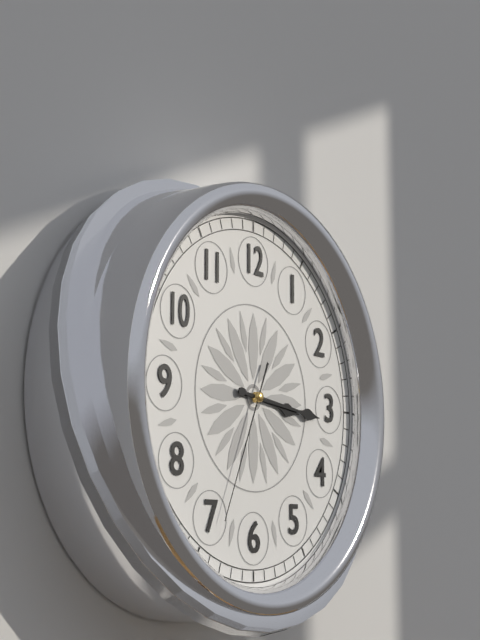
{"hour": 3, "minute": 16, "second": 34}
